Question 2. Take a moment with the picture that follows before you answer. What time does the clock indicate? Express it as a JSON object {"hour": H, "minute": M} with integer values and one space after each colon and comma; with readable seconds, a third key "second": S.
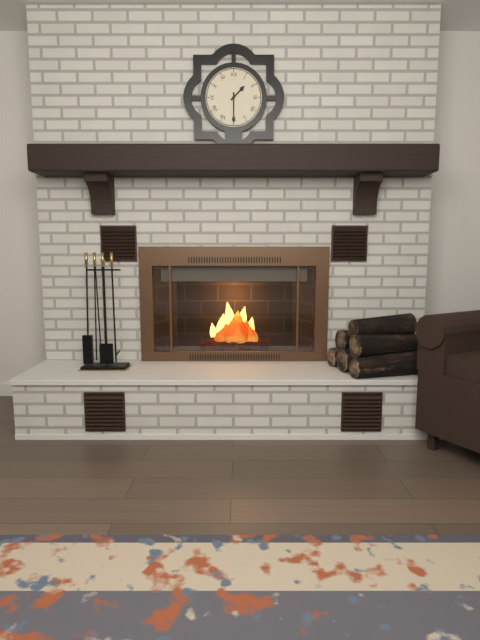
{"hour": 1, "minute": 30}
